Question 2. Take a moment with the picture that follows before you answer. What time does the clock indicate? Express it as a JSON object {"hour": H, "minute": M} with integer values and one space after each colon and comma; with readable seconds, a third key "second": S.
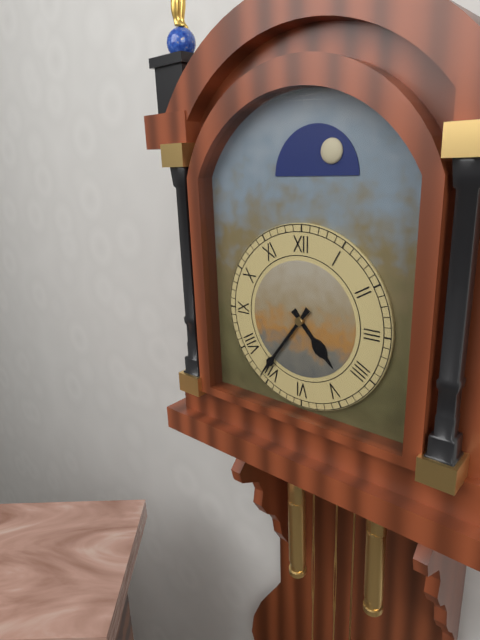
{"hour": 4, "minute": 36}
